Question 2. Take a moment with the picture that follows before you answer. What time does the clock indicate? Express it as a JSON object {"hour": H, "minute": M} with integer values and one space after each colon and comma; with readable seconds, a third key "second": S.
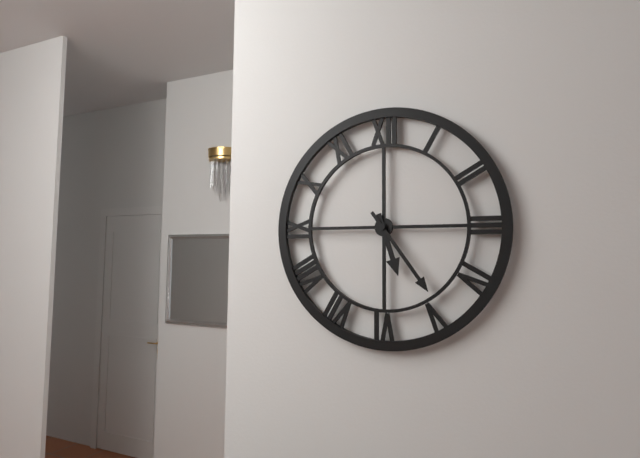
{"hour": 5, "minute": 24}
